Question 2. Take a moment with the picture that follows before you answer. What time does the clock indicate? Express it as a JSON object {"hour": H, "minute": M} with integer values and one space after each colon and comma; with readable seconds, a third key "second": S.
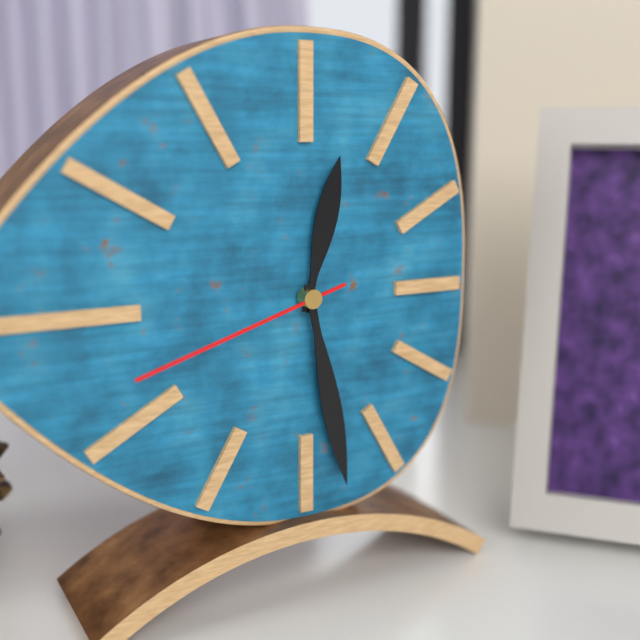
{"hour": 12, "minute": 28, "second": 42}
